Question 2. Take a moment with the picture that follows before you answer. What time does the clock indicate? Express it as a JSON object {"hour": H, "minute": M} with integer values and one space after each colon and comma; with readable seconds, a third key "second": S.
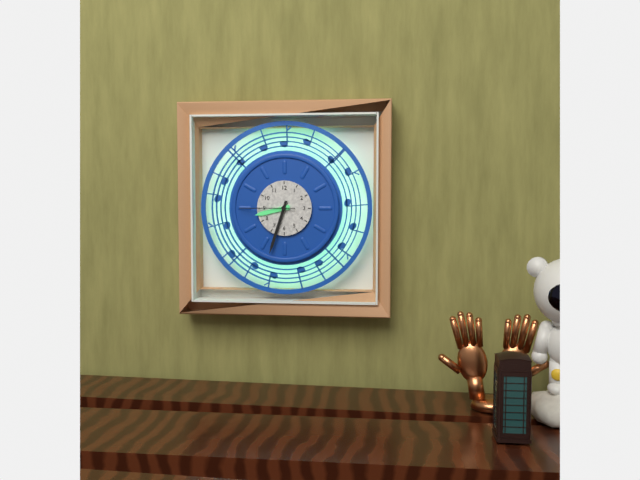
{"hour": 8, "minute": 33, "second": 45}
